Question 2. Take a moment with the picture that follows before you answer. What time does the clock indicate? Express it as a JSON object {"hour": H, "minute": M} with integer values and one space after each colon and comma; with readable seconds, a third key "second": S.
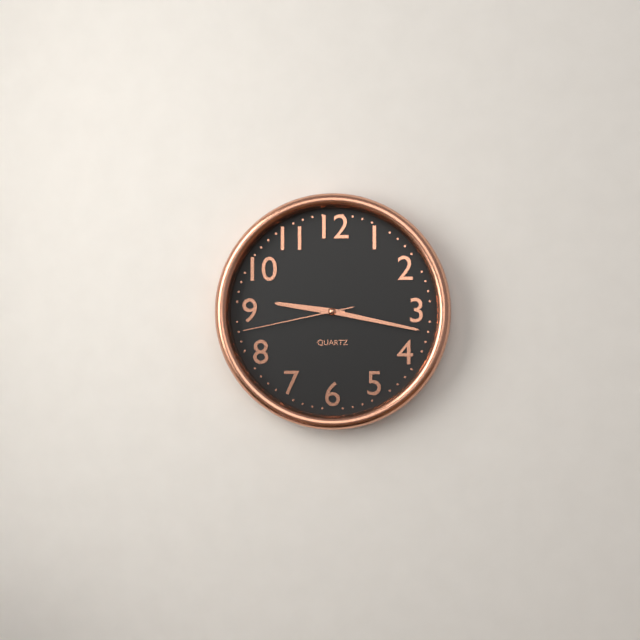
{"hour": 9, "minute": 17, "second": 43}
